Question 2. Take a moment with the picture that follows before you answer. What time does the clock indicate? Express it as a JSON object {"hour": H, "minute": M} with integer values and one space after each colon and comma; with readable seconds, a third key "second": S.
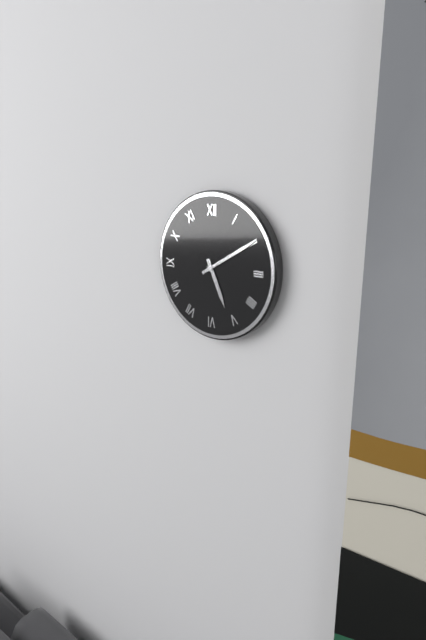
{"hour": 5, "minute": 10}
